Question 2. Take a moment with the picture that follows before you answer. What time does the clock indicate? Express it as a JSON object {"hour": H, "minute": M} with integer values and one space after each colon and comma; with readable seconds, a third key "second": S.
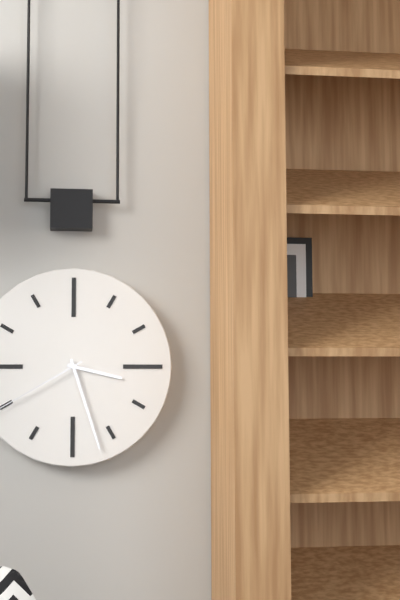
{"hour": 3, "minute": 27}
